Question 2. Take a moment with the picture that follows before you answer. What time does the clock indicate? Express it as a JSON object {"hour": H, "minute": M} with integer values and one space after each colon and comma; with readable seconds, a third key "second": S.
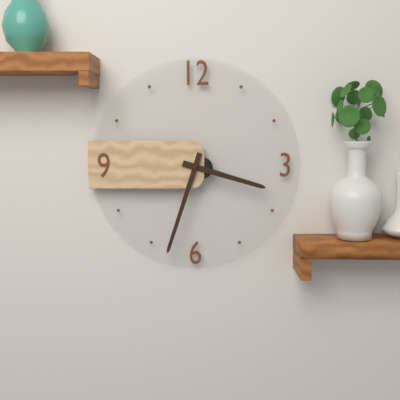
{"hour": 3, "minute": 33}
